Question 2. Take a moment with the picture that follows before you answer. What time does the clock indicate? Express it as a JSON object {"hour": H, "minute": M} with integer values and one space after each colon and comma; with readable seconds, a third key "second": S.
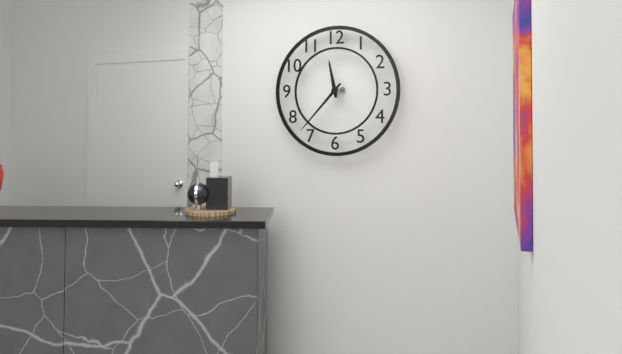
{"hour": 11, "minute": 37}
